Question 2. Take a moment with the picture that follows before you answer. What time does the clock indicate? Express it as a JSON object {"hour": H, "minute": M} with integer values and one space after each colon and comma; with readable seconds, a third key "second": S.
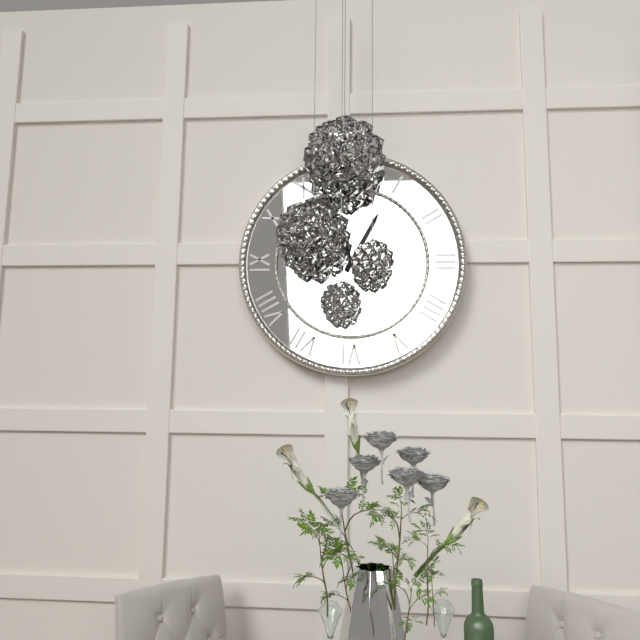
{"hour": 12, "minute": 57}
